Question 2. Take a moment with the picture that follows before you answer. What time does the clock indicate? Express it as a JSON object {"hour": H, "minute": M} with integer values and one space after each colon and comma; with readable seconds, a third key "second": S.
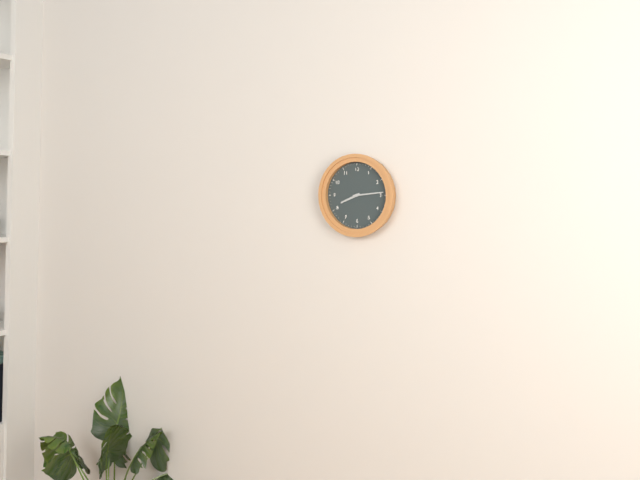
{"hour": 8, "minute": 14}
